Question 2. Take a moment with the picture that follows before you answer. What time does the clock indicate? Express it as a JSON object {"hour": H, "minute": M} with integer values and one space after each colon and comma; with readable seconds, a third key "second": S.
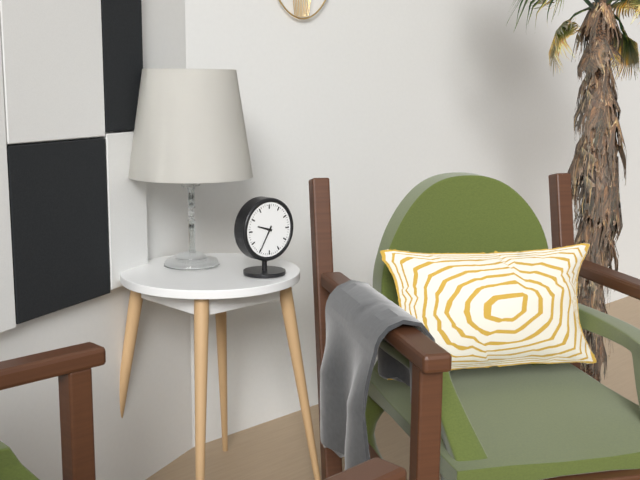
{"hour": 9, "minute": 35}
